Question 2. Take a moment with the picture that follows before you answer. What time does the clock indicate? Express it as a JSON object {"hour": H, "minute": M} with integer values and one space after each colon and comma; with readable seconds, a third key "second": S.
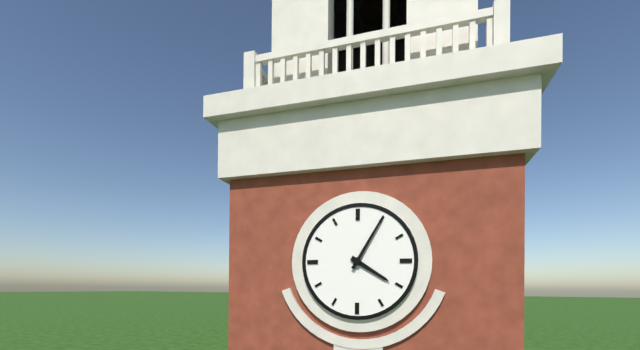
{"hour": 4, "minute": 5}
